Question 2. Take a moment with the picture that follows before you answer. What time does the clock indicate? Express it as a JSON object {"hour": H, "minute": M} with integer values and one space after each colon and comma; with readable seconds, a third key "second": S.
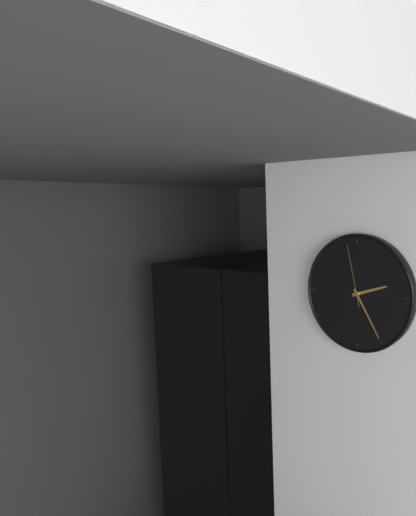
{"hour": 2, "minute": 25, "second": 58}
